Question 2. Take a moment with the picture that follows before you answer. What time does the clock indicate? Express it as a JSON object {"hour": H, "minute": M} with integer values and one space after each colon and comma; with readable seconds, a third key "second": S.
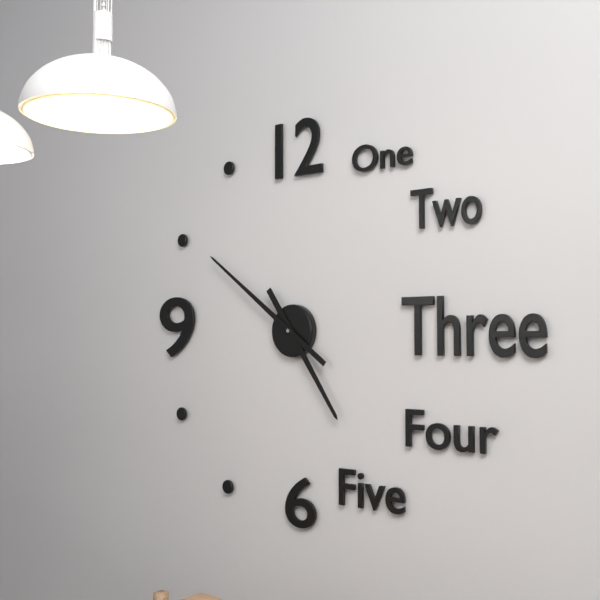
{"hour": 4, "minute": 51}
